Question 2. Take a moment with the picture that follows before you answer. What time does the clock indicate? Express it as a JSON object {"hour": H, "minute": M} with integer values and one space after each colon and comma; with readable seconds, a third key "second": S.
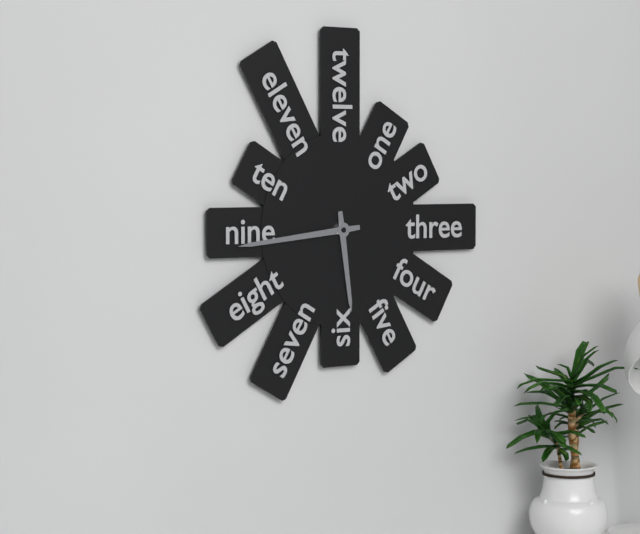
{"hour": 5, "minute": 44}
